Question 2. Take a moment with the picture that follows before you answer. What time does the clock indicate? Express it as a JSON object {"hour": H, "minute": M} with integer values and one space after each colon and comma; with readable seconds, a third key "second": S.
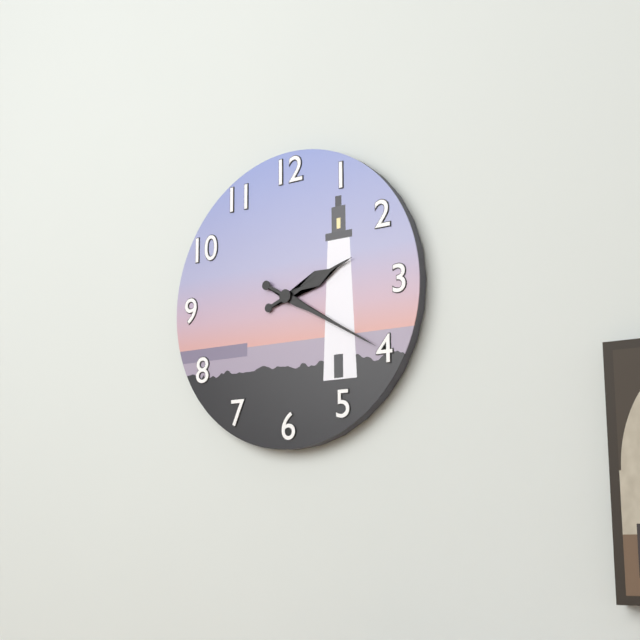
{"hour": 2, "minute": 20}
